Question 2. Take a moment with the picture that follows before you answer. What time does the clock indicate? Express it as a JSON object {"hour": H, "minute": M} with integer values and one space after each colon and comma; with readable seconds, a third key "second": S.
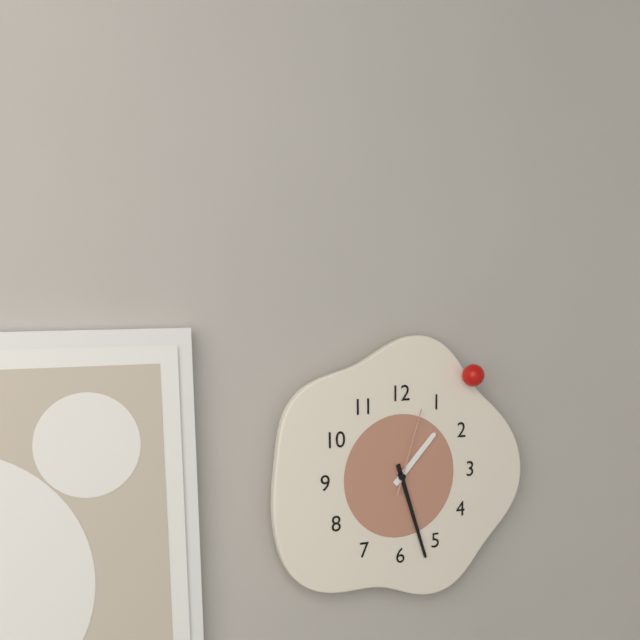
{"hour": 1, "minute": 27, "second": 3}
